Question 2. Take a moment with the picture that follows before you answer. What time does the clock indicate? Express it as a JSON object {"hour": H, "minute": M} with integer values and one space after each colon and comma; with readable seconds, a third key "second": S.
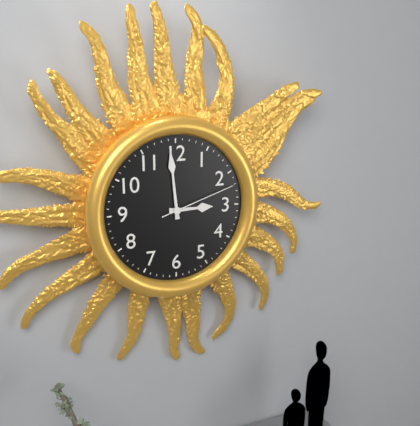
{"hour": 2, "minute": 59, "second": 12}
